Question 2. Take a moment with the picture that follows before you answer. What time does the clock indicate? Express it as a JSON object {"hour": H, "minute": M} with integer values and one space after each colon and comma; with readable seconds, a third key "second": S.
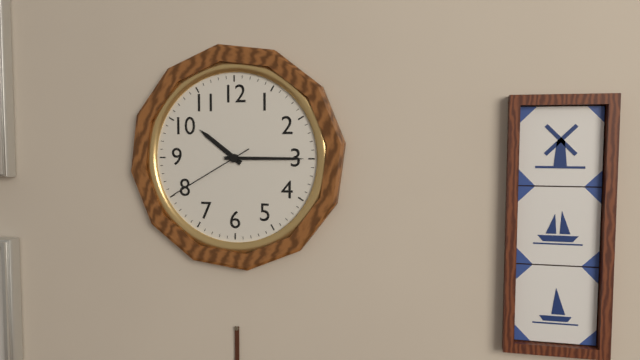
{"hour": 10, "minute": 15, "second": 40}
